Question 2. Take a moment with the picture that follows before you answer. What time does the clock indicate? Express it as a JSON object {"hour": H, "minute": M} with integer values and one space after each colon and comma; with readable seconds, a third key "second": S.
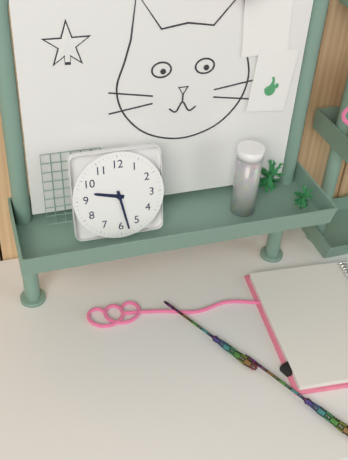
{"hour": 9, "minute": 28}
